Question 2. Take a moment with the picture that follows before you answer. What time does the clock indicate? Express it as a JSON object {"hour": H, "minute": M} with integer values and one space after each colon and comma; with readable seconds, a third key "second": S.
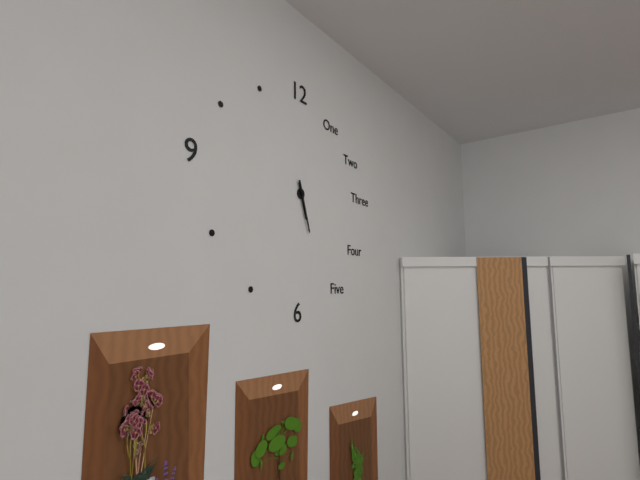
{"hour": 5, "minute": 27}
